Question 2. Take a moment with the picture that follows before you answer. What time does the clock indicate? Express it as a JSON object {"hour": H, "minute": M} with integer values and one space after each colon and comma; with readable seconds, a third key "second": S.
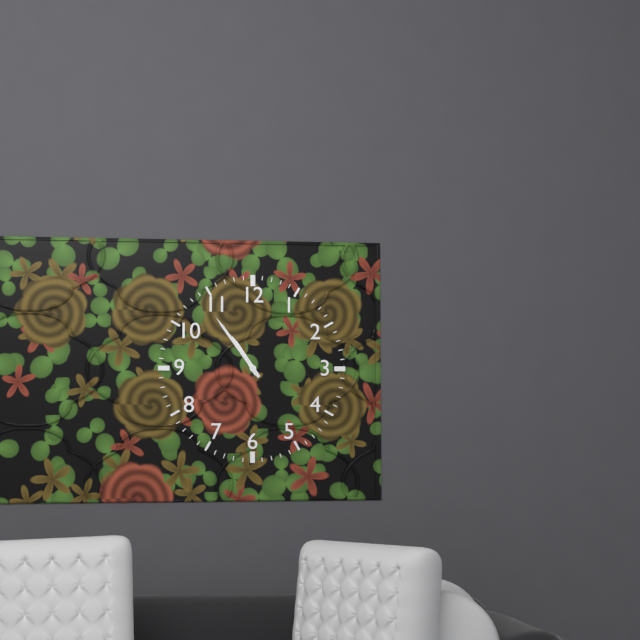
{"hour": 10, "minute": 54}
